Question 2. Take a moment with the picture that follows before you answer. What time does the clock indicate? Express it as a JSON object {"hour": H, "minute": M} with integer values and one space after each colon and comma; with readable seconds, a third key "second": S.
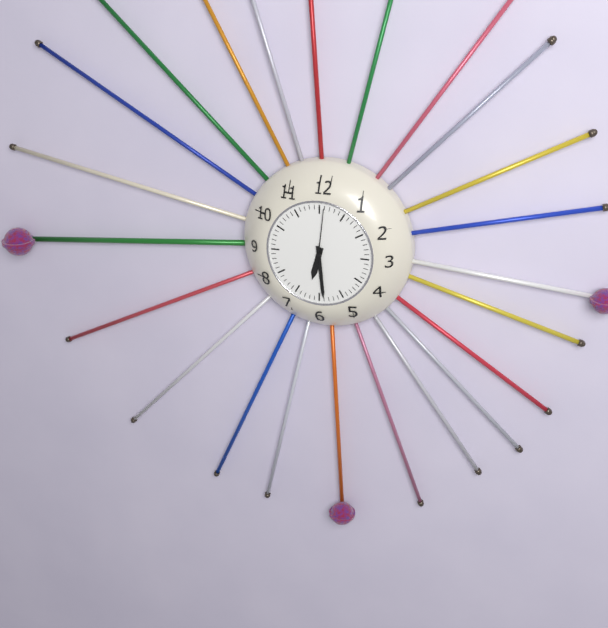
{"hour": 6, "minute": 29, "second": 1}
